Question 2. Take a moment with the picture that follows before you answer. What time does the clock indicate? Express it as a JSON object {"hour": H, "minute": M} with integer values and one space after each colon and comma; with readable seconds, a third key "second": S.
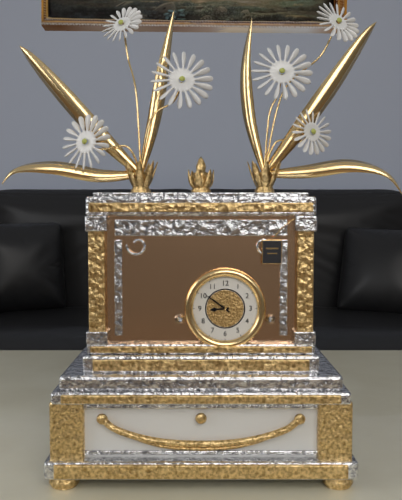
{"hour": 8, "minute": 51}
